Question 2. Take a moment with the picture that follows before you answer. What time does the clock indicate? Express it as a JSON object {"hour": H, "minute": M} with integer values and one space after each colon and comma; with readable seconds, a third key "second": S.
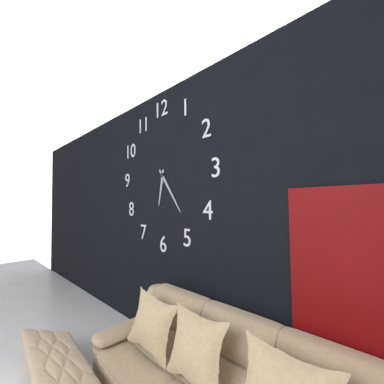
{"hour": 6, "minute": 24}
